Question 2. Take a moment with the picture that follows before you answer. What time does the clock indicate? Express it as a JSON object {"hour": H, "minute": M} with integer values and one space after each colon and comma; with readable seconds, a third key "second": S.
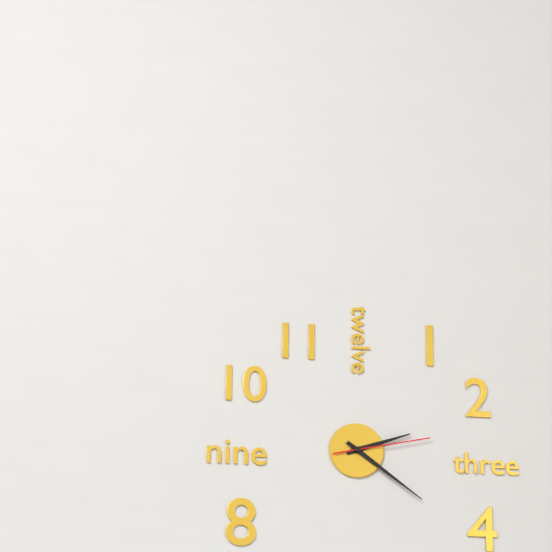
{"hour": 2, "minute": 21, "second": 13}
